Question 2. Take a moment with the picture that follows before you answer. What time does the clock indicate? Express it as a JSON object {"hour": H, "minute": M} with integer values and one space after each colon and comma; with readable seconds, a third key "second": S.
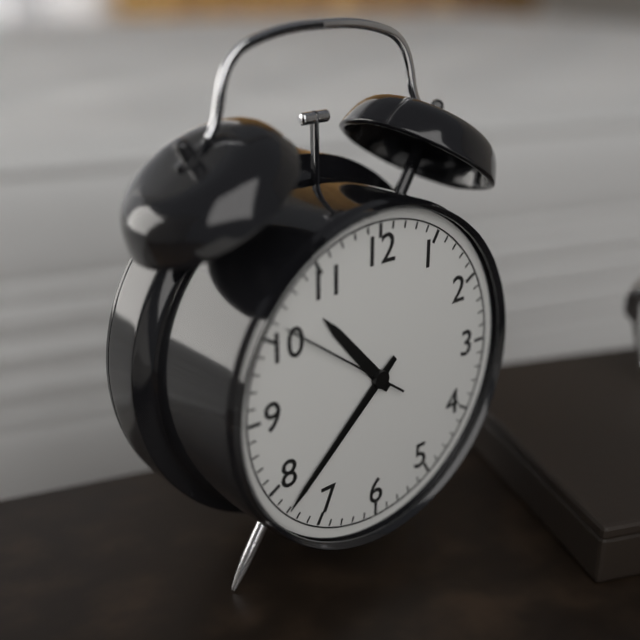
{"hour": 10, "minute": 38, "second": 51}
